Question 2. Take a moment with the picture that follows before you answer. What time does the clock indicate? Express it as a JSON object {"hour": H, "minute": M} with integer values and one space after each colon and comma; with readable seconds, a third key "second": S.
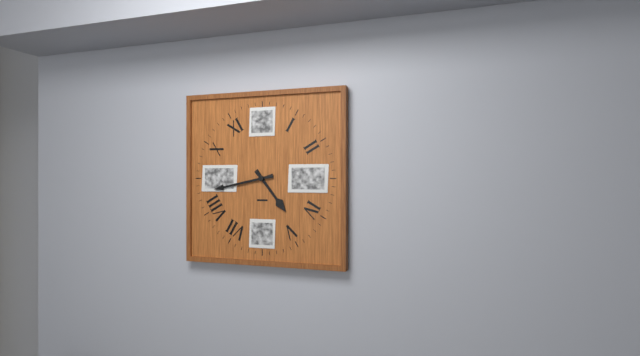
{"hour": 4, "minute": 43}
